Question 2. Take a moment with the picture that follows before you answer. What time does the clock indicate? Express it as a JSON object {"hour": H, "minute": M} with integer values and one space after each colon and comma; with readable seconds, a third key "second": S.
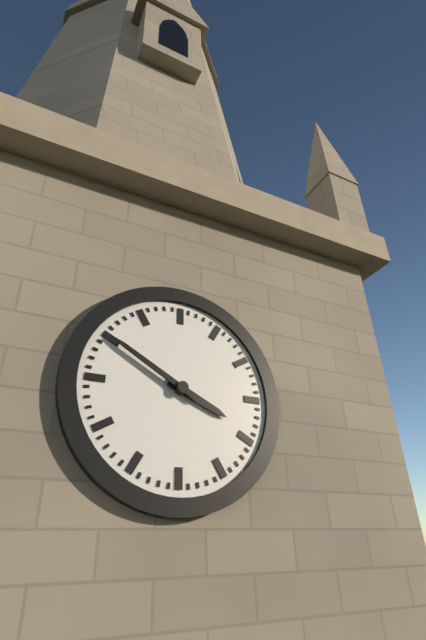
{"hour": 3, "minute": 50}
